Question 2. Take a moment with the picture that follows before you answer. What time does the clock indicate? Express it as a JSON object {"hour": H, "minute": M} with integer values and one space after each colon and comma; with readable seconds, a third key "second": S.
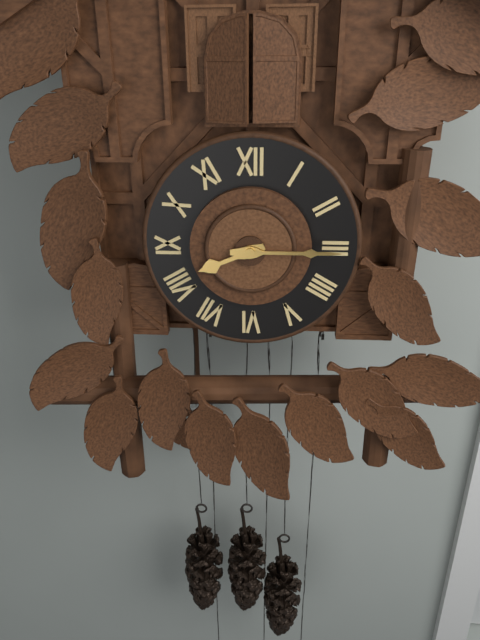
{"hour": 8, "minute": 15}
